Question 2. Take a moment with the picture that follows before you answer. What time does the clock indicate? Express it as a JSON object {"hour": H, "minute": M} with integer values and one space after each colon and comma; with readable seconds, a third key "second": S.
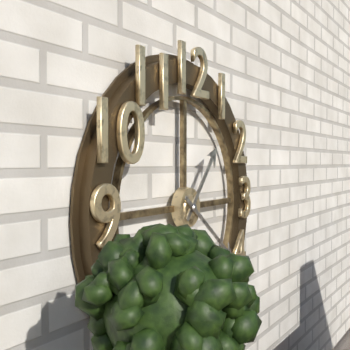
{"hour": 1, "minute": 21}
